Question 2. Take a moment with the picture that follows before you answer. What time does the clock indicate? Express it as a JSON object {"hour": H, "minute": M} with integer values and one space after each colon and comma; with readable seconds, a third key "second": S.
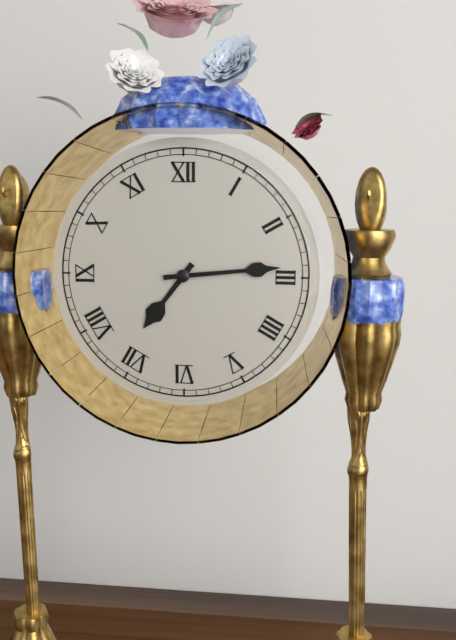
{"hour": 7, "minute": 14}
